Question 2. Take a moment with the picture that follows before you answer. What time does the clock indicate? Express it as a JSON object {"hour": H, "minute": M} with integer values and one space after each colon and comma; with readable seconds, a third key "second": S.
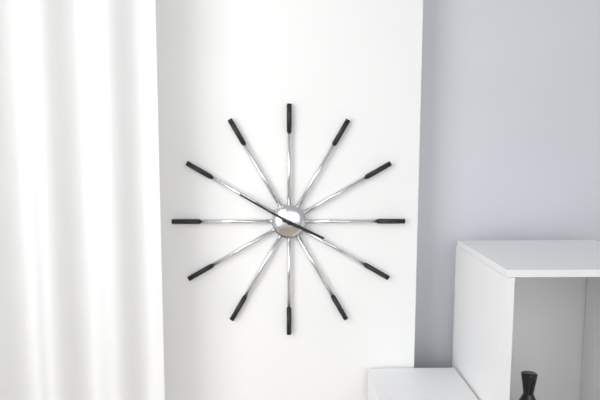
{"hour": 3, "minute": 50}
